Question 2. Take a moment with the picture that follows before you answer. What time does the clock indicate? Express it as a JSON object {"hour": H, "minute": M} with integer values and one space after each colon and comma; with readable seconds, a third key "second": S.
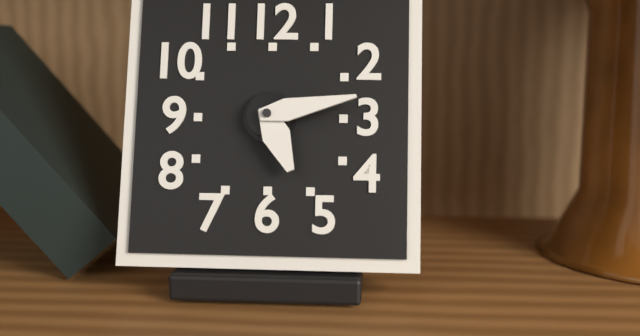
{"hour": 5, "minute": 13}
